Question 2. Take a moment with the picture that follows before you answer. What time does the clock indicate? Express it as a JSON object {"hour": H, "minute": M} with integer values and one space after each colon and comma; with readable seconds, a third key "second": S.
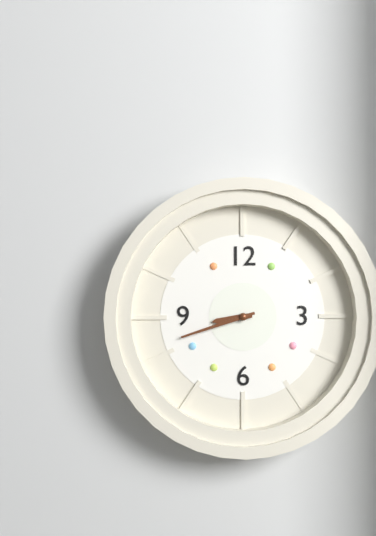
{"hour": 8, "minute": 42}
